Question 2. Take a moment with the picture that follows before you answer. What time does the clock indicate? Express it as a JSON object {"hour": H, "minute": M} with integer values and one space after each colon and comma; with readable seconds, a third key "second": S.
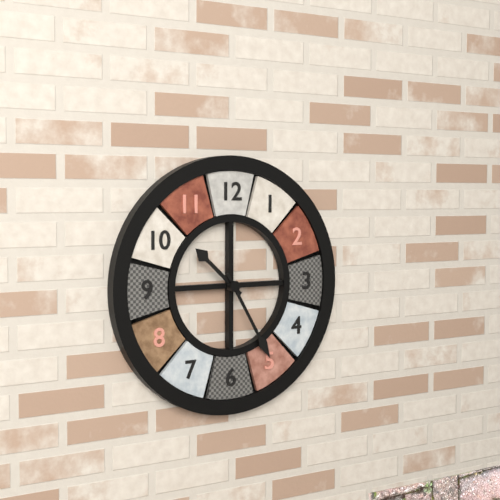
{"hour": 10, "minute": 25}
